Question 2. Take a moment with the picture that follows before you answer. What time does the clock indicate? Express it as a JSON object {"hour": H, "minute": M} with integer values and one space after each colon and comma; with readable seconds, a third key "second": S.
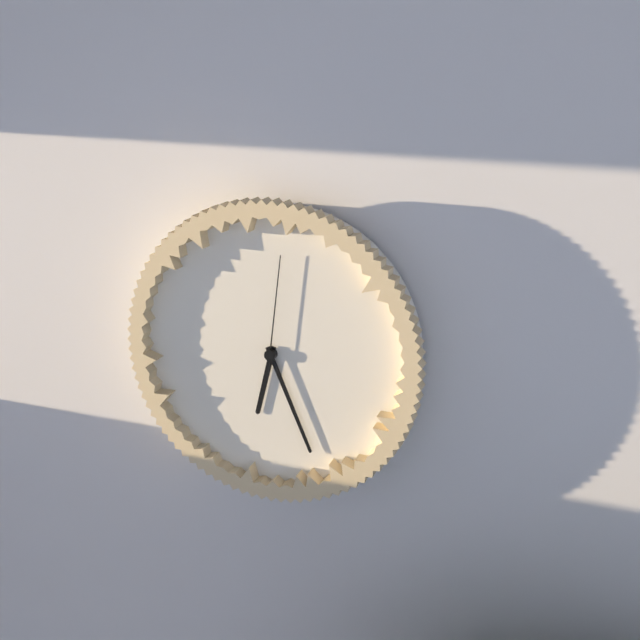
{"hour": 6, "minute": 26, "second": 1}
